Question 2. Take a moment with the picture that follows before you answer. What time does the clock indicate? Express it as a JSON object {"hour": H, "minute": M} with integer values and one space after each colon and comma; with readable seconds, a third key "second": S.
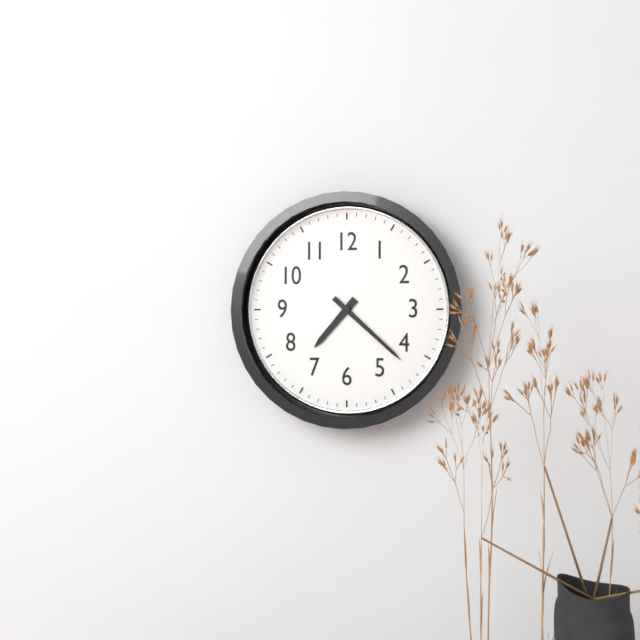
{"hour": 7, "minute": 22}
